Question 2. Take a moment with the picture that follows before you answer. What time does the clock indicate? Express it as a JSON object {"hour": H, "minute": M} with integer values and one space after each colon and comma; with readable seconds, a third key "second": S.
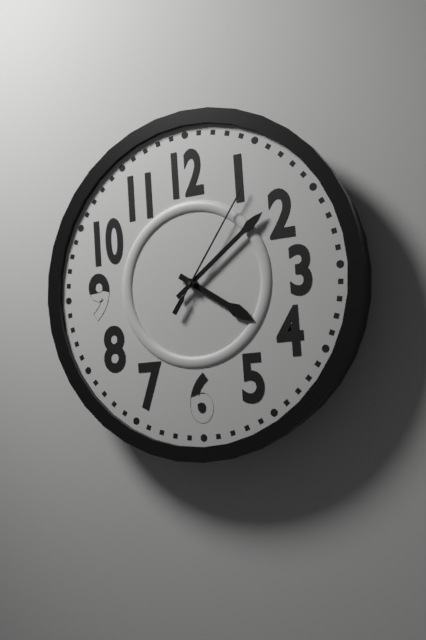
{"hour": 4, "minute": 9, "second": 6}
